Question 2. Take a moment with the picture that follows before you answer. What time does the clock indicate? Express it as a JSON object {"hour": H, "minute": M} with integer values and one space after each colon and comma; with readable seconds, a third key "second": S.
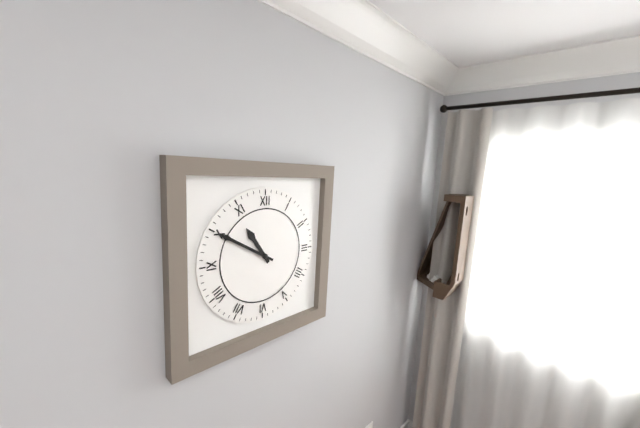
{"hour": 10, "minute": 50}
